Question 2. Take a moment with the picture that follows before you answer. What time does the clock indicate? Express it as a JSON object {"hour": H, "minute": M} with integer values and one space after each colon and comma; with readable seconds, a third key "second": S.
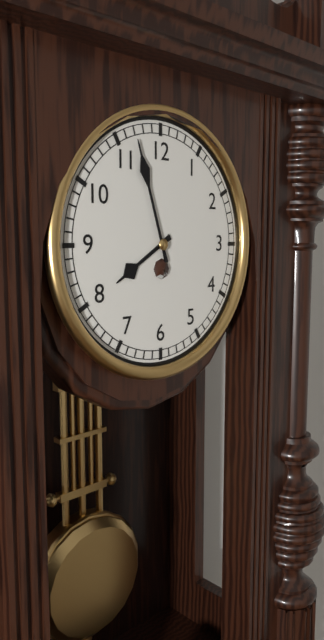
{"hour": 7, "minute": 57}
